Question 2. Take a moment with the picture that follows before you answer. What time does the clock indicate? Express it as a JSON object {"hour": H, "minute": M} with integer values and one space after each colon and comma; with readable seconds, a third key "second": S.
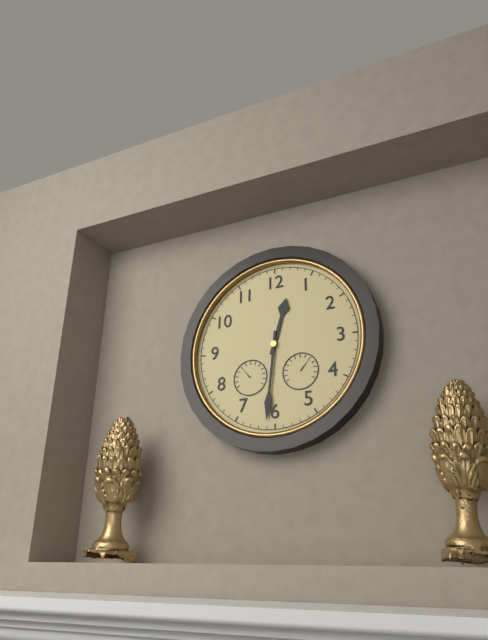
{"hour": 12, "minute": 31}
